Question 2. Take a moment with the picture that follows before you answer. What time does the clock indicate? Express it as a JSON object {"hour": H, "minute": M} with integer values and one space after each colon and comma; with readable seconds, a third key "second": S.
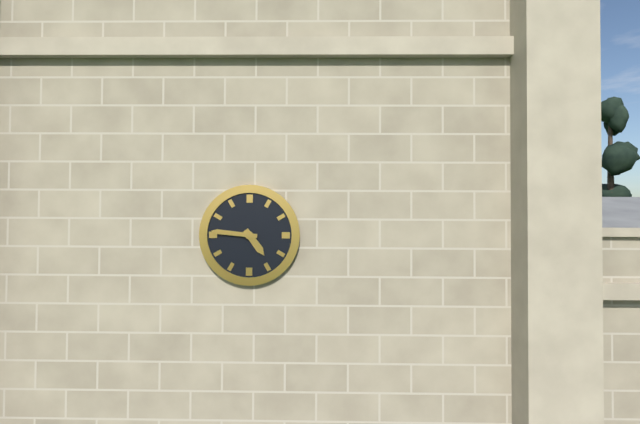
{"hour": 4, "minute": 46}
